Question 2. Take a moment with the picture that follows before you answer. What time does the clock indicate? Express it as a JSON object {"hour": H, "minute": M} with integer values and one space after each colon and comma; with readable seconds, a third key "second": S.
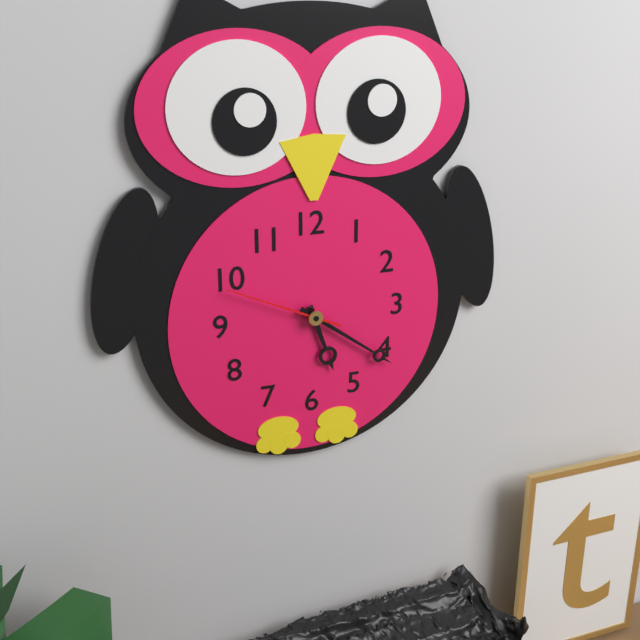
{"hour": 5, "minute": 21, "second": 49}
